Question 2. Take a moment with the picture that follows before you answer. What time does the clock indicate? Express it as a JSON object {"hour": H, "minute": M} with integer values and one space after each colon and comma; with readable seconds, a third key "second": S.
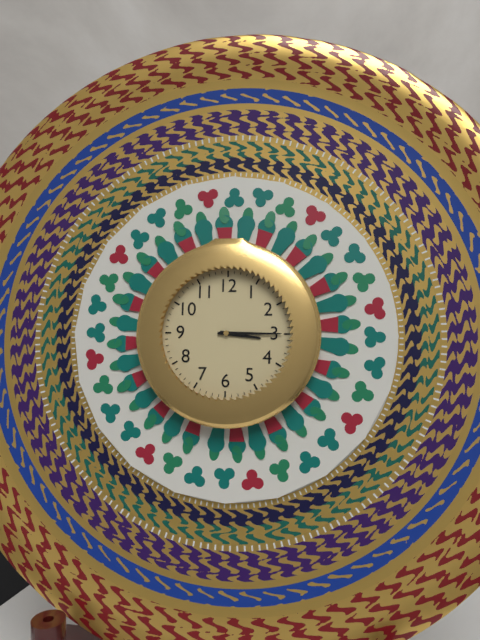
{"hour": 3, "minute": 15}
